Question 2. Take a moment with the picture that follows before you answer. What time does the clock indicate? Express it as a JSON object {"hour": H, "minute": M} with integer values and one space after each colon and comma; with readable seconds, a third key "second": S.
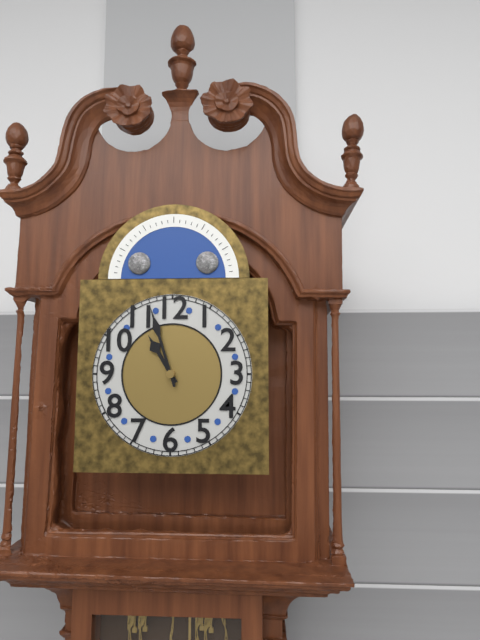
{"hour": 10, "minute": 57}
